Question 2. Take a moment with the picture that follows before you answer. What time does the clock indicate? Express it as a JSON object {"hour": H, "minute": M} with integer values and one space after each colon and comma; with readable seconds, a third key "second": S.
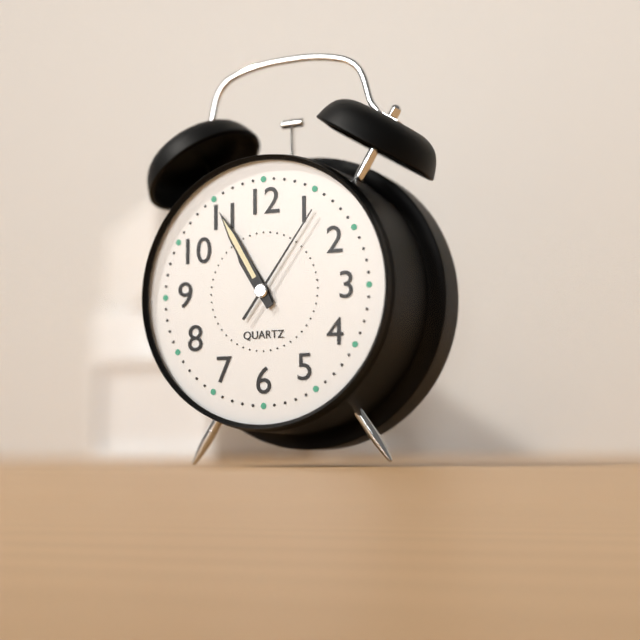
{"hour": 10, "minute": 55, "second": 6}
